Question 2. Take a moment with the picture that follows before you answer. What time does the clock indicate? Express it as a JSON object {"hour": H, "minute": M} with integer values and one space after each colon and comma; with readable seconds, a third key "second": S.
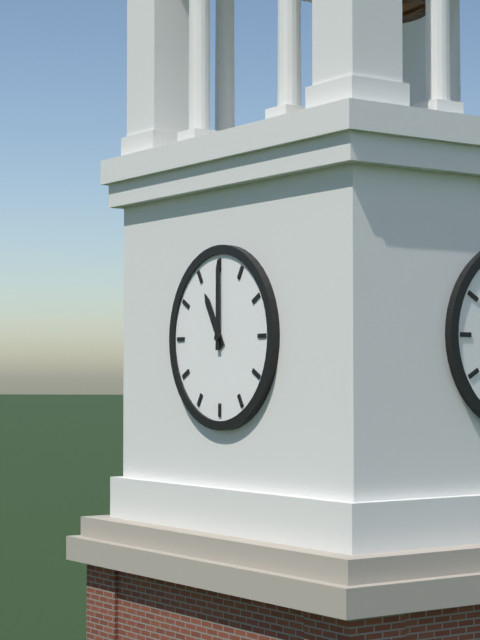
{"hour": 11, "minute": 0}
